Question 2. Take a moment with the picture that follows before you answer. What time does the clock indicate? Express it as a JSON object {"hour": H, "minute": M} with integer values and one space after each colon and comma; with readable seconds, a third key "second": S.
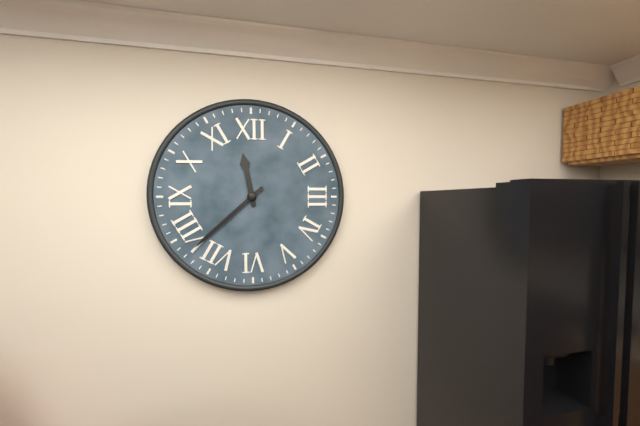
{"hour": 11, "minute": 38}
